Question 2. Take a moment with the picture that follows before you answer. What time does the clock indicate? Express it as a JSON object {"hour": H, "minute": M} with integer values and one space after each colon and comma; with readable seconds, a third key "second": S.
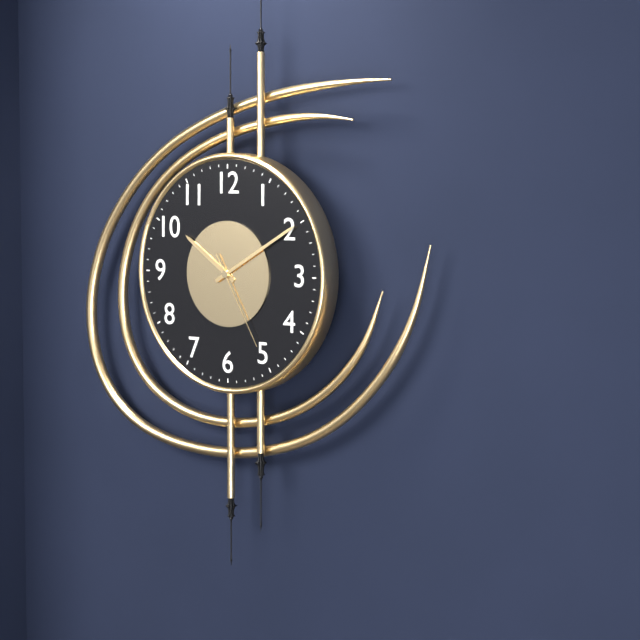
{"hour": 10, "minute": 10, "second": 25}
